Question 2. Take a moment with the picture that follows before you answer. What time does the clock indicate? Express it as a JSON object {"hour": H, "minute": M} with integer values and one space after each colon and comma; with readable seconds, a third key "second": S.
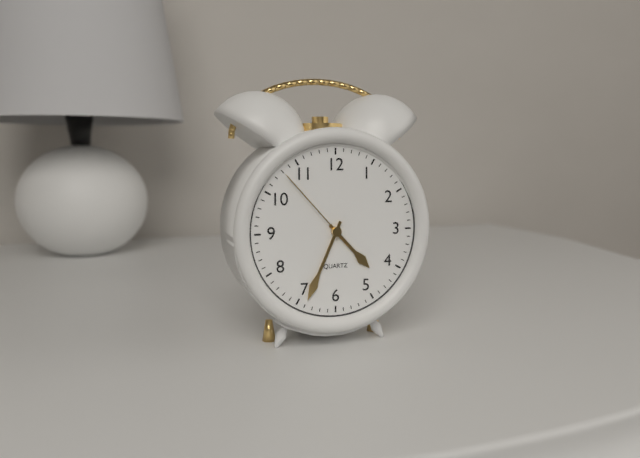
{"hour": 4, "minute": 34, "second": 53}
